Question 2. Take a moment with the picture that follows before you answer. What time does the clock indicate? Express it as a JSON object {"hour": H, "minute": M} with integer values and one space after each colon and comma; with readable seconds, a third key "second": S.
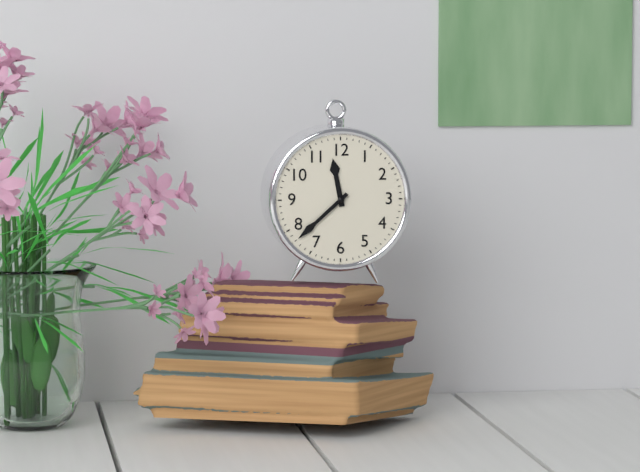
{"hour": 11, "minute": 38}
